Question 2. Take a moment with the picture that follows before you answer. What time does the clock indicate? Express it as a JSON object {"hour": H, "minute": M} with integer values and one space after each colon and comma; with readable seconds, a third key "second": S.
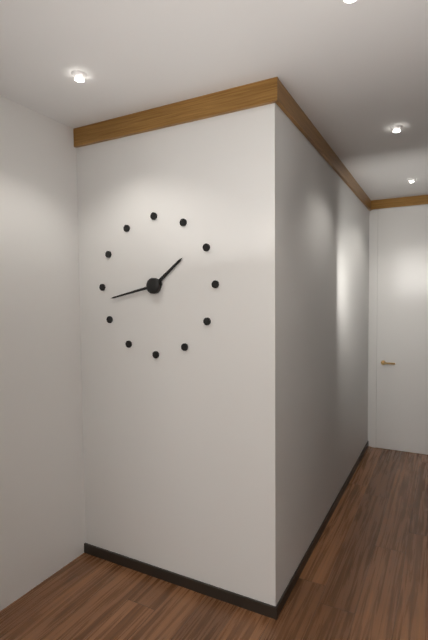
{"hour": 1, "minute": 43}
